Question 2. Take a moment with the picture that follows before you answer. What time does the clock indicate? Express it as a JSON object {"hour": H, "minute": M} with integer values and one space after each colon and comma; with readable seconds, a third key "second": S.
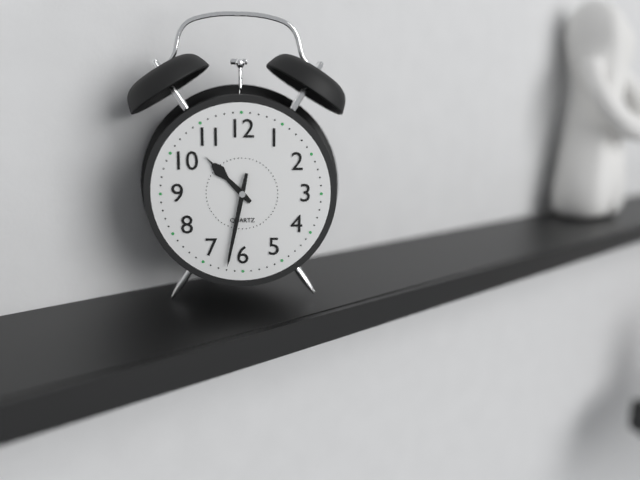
{"hour": 10, "minute": 32}
